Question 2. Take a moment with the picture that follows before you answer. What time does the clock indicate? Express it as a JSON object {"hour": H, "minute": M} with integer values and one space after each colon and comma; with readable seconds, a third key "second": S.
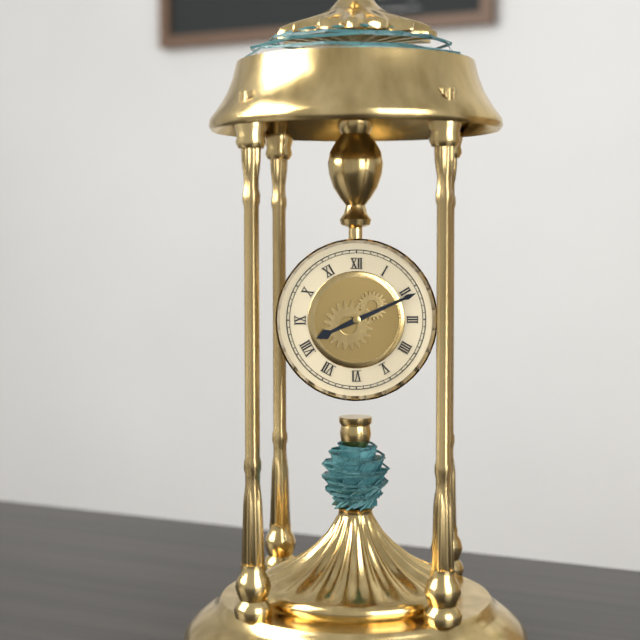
{"hour": 8, "minute": 11}
